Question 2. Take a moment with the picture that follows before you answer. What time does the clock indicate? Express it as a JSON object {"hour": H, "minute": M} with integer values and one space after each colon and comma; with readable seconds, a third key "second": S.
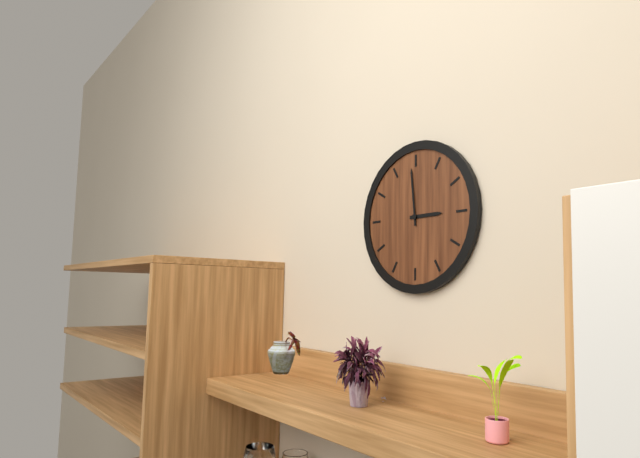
{"hour": 2, "minute": 59}
